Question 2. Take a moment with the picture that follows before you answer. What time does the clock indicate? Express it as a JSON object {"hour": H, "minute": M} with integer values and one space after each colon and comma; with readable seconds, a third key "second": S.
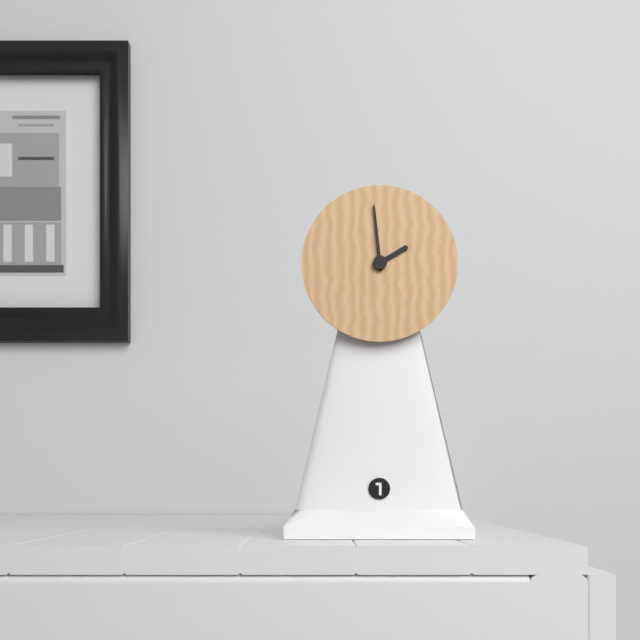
{"hour": 1, "minute": 59}
